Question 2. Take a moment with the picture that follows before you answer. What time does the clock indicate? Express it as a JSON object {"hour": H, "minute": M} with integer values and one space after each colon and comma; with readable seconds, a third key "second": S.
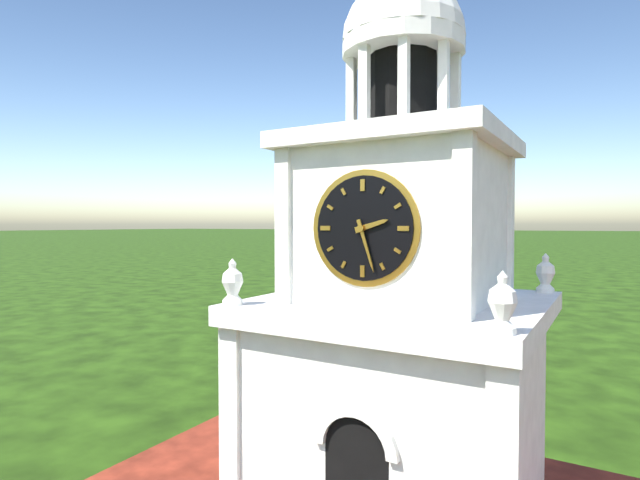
{"hour": 2, "minute": 27}
